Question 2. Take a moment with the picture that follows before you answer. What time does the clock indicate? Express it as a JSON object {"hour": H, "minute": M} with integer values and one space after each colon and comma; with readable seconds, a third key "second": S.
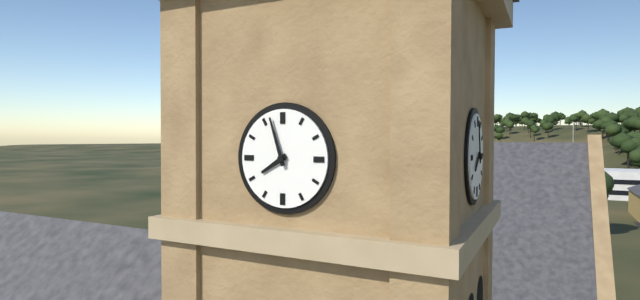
{"hour": 7, "minute": 57}
